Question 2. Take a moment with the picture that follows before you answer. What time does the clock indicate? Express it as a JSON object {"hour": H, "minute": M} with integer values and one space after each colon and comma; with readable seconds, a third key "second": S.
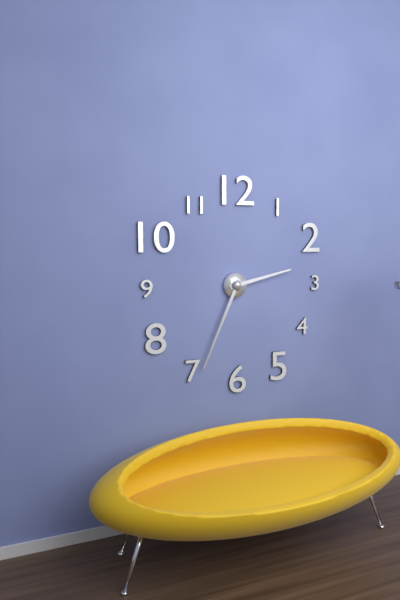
{"hour": 2, "minute": 34}
